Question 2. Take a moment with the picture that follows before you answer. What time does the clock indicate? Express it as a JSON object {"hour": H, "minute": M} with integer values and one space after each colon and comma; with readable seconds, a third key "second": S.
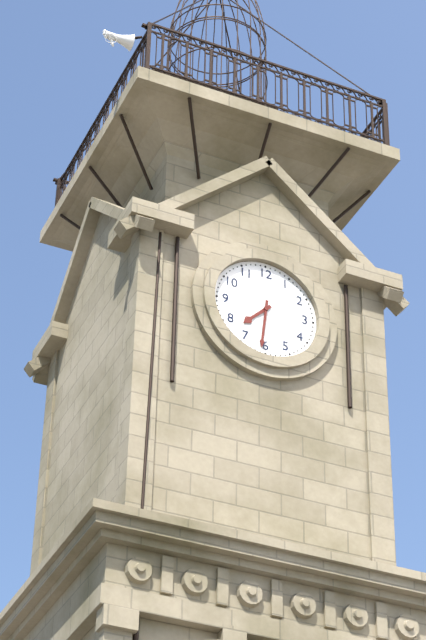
{"hour": 7, "minute": 31}
